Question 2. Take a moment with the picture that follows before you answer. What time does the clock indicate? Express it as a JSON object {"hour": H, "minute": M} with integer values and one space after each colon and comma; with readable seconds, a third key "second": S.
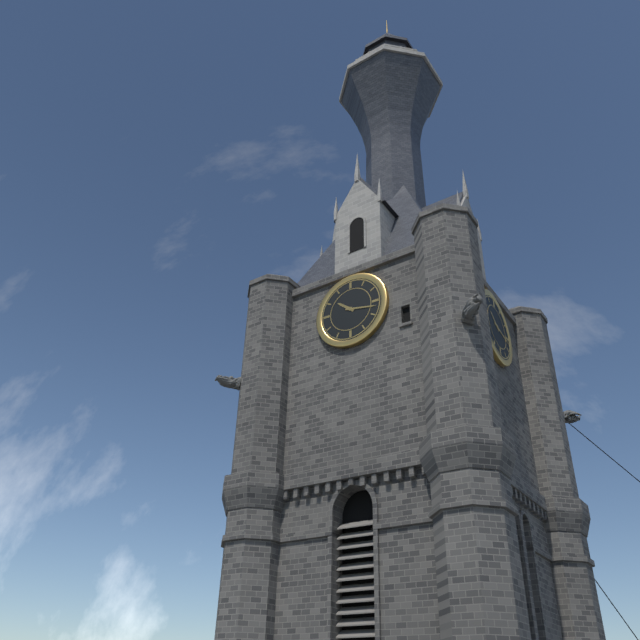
{"hour": 10, "minute": 17}
